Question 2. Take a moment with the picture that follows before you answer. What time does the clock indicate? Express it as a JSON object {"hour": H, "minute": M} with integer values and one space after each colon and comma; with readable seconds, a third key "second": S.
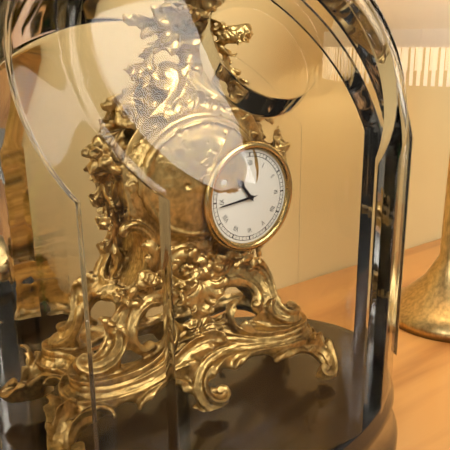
{"hour": 10, "minute": 44}
